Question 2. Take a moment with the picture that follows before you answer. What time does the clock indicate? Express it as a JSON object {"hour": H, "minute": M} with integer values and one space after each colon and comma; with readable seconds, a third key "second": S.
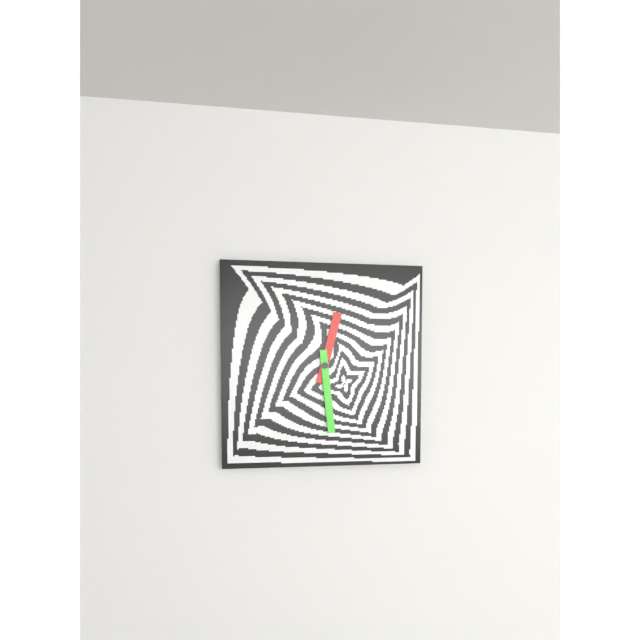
{"hour": 12, "minute": 29}
